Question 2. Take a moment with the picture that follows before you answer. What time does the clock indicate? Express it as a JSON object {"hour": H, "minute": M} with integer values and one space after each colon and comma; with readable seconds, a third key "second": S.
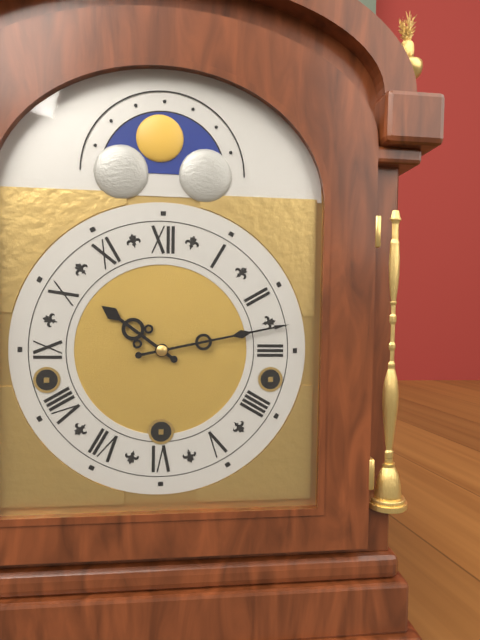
{"hour": 10, "minute": 13}
